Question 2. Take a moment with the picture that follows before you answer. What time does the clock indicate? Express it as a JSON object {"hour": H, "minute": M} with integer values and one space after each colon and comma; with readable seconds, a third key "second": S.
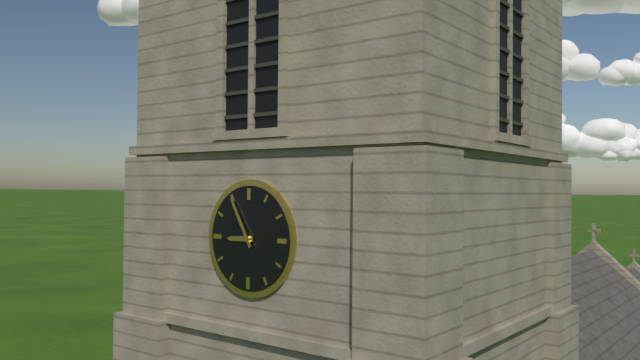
{"hour": 8, "minute": 55}
